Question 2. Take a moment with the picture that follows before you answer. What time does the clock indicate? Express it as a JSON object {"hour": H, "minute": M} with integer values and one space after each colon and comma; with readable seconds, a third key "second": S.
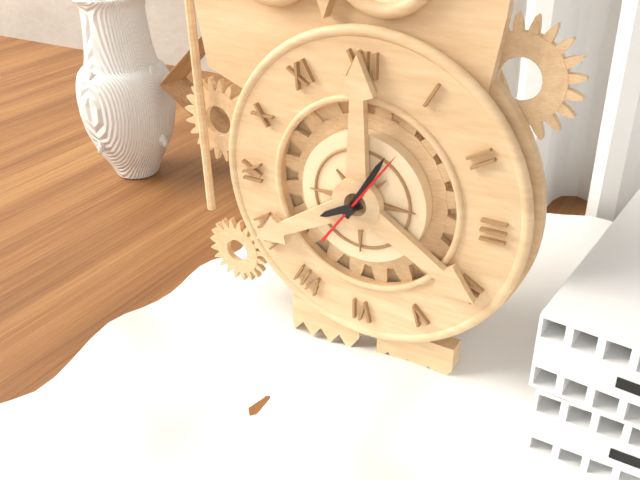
{"hour": 8, "minute": 5, "second": 6}
